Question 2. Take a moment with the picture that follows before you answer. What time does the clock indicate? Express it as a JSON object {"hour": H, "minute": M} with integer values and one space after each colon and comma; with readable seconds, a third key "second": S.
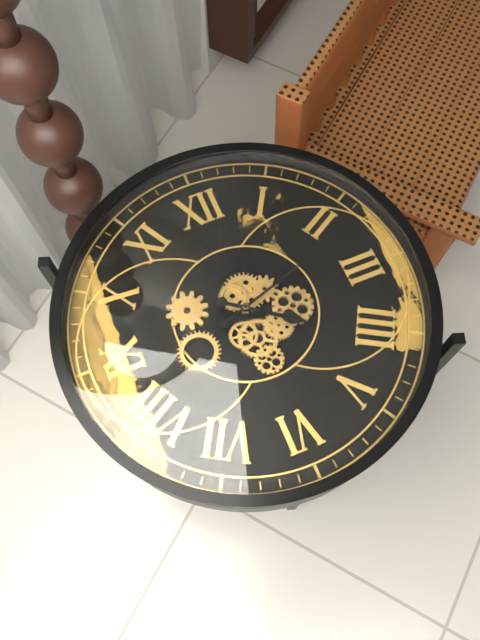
{"hour": 4, "minute": 12}
